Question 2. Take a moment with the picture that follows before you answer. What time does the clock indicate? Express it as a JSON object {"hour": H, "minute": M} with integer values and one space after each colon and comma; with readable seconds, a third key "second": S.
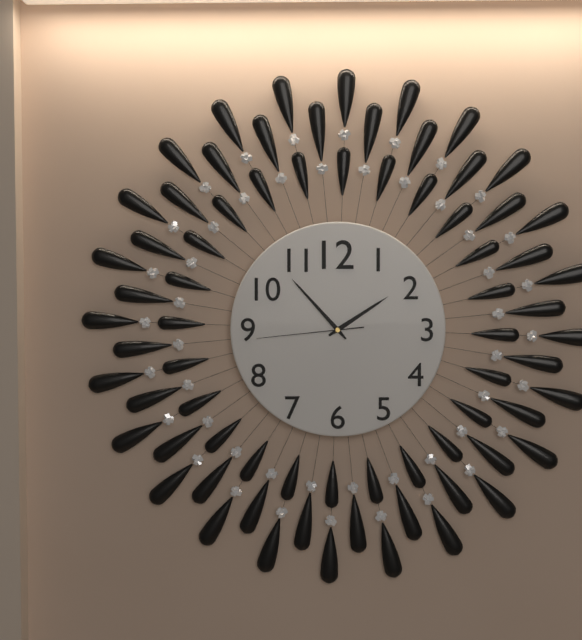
{"hour": 1, "minute": 53, "second": 44}
